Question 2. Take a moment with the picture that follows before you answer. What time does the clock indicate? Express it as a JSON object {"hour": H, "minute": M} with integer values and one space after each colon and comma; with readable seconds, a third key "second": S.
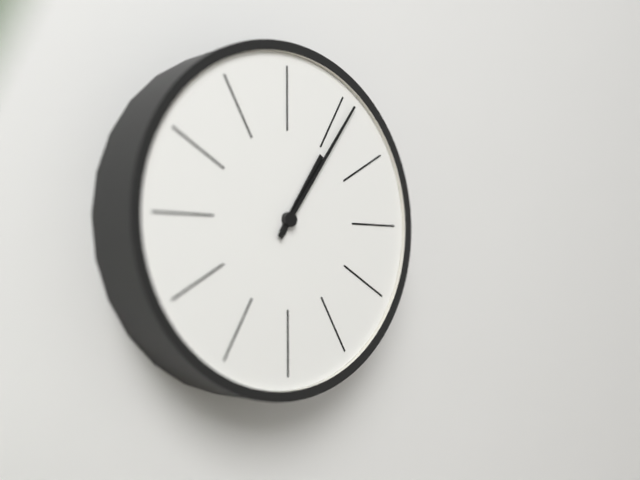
{"hour": 1, "minute": 6}
